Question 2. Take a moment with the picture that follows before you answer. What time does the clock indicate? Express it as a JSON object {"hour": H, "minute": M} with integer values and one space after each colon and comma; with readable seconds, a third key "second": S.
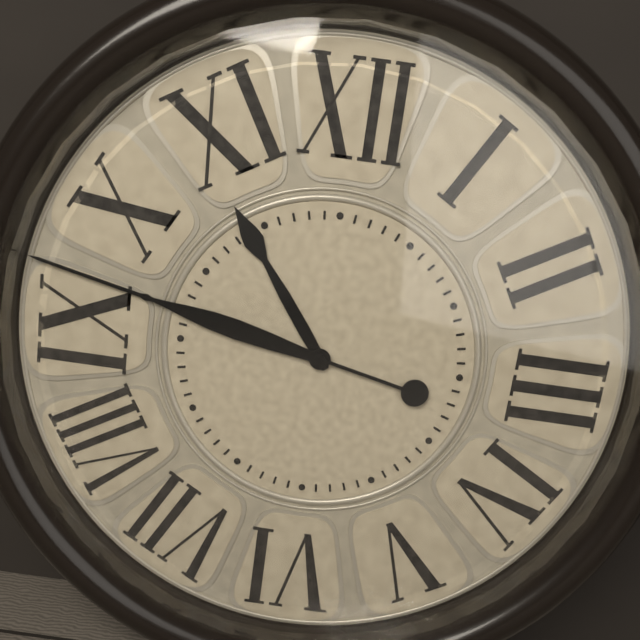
{"hour": 10, "minute": 47}
